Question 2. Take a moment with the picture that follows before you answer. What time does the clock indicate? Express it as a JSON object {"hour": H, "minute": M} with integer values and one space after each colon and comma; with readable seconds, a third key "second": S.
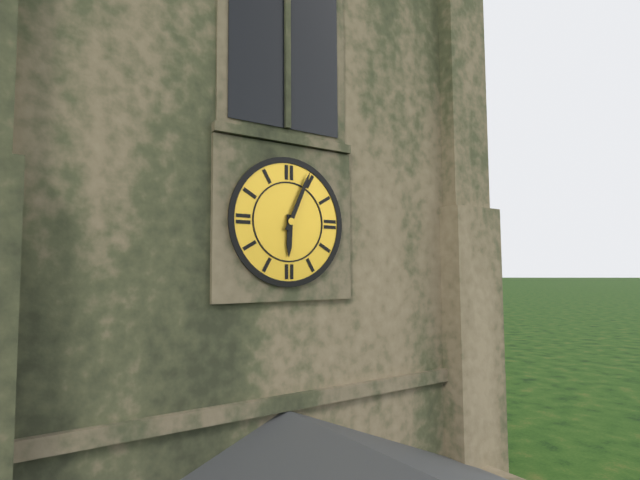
{"hour": 6, "minute": 4}
